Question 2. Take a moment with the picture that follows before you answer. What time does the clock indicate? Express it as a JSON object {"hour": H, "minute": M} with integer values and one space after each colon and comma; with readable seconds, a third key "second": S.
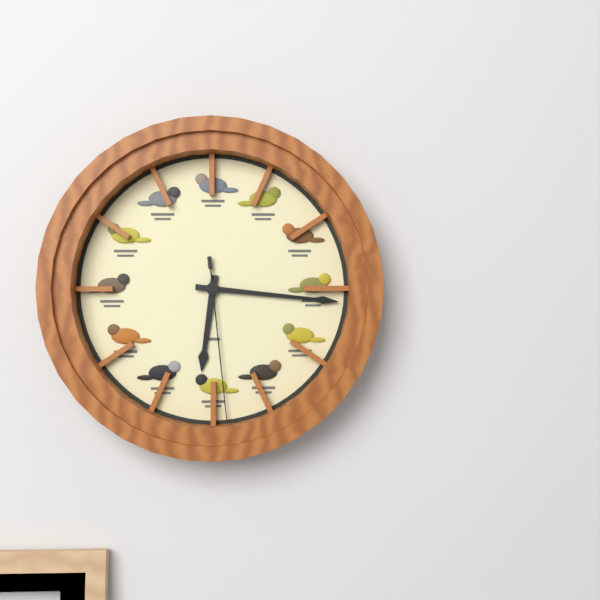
{"hour": 6, "minute": 16, "second": 29}
